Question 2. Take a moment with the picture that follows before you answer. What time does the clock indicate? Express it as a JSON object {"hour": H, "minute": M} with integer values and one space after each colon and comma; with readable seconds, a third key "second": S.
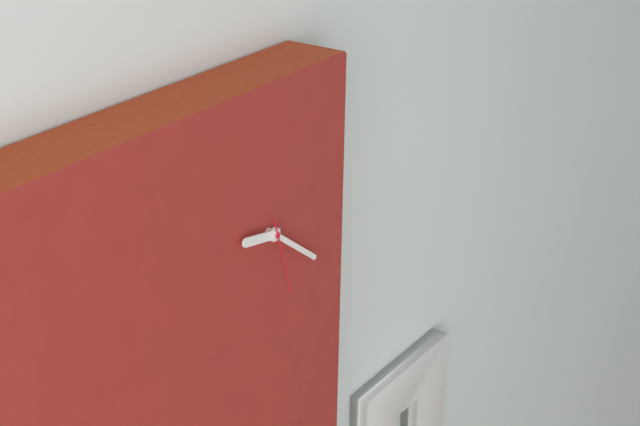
{"hour": 9, "minute": 21, "second": 27}
